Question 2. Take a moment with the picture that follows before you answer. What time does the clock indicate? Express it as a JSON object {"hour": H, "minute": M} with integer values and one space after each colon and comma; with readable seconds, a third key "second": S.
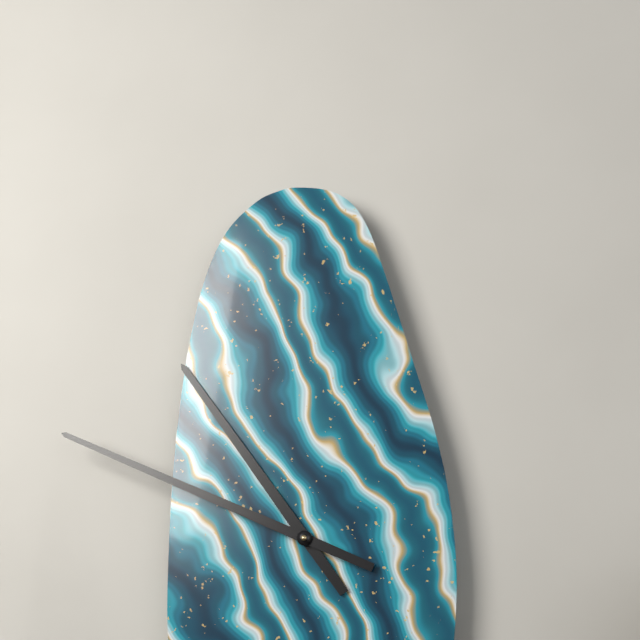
{"hour": 10, "minute": 49}
